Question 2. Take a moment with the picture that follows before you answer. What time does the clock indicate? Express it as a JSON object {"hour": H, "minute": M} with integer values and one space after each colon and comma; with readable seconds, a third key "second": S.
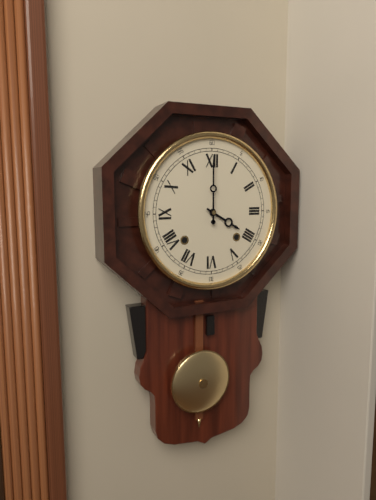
{"hour": 4, "minute": 0}
